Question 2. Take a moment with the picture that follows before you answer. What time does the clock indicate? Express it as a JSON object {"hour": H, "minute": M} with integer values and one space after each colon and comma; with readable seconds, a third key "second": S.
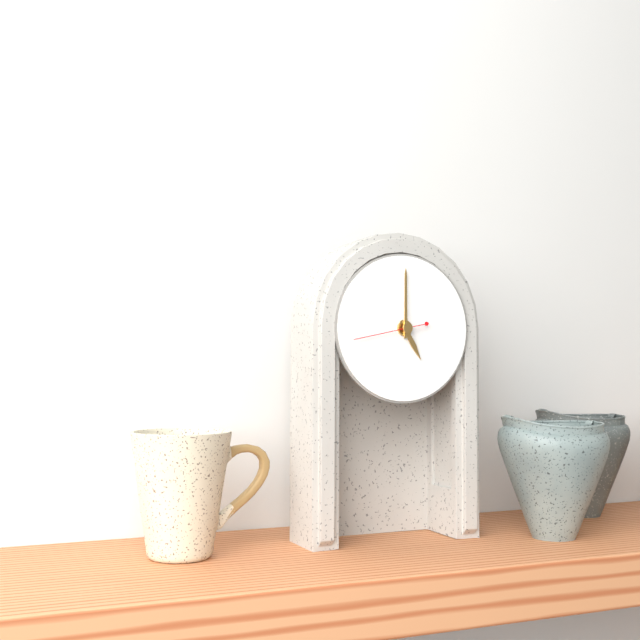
{"hour": 5, "minute": 0, "second": 43}
